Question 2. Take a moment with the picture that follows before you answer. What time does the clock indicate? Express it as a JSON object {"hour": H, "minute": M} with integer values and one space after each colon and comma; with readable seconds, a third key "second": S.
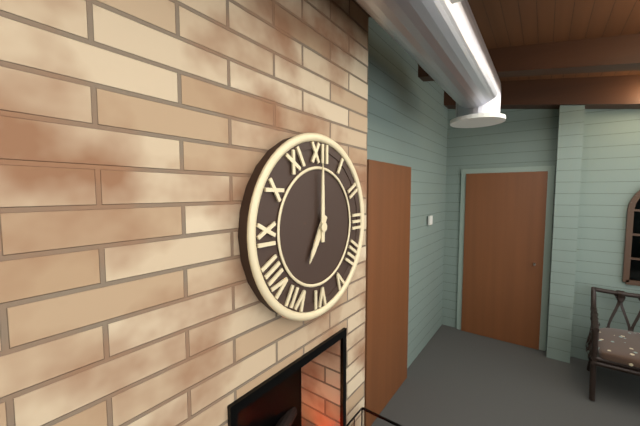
{"hour": 7, "minute": 0}
